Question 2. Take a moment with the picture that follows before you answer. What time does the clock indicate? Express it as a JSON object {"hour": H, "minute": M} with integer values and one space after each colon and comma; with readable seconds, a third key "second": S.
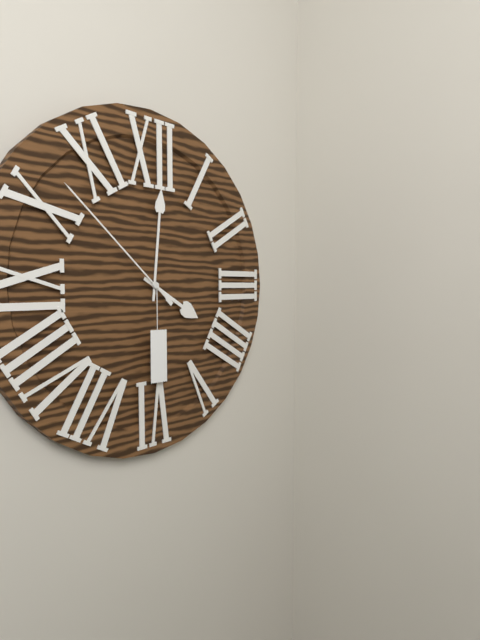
{"hour": 4, "minute": 1, "second": 52}
